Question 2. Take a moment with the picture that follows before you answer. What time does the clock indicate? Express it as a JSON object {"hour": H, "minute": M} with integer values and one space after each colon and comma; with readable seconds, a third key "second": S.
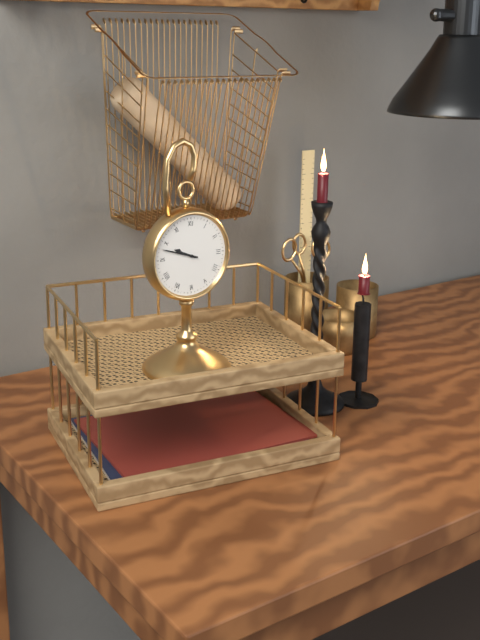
{"hour": 9, "minute": 48}
